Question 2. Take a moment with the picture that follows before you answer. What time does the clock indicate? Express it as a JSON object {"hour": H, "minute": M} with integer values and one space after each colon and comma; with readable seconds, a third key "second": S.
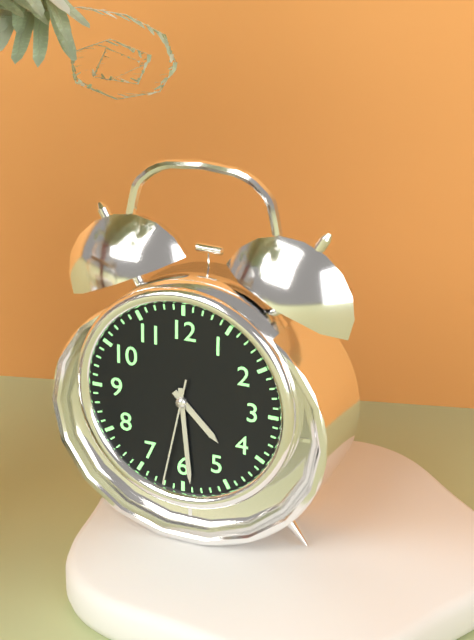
{"hour": 4, "minute": 29, "second": 32}
